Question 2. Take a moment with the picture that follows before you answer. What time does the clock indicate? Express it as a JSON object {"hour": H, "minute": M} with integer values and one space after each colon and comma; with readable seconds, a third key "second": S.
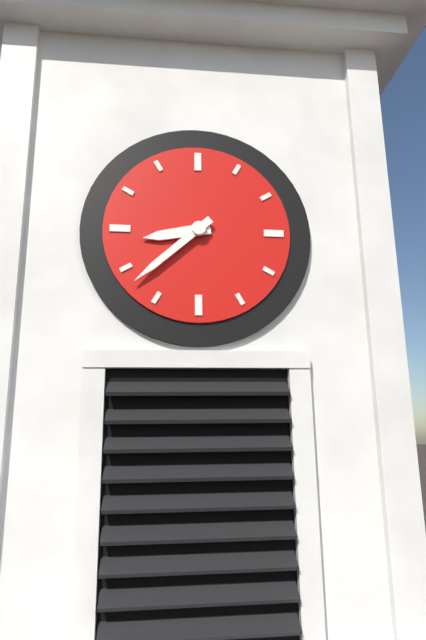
{"hour": 8, "minute": 38}
